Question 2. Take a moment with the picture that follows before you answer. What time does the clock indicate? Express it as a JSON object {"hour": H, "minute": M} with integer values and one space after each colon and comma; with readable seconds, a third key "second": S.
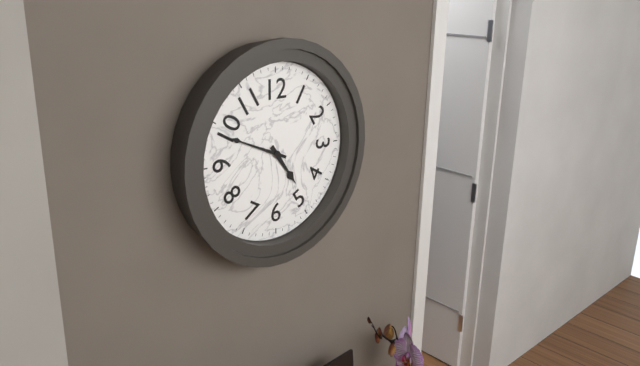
{"hour": 4, "minute": 49}
